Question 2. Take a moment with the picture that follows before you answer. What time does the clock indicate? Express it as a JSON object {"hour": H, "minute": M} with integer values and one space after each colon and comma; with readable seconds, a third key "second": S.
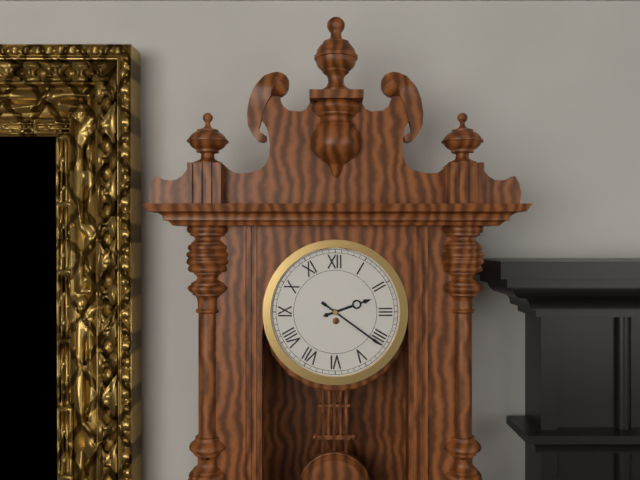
{"hour": 2, "minute": 21}
